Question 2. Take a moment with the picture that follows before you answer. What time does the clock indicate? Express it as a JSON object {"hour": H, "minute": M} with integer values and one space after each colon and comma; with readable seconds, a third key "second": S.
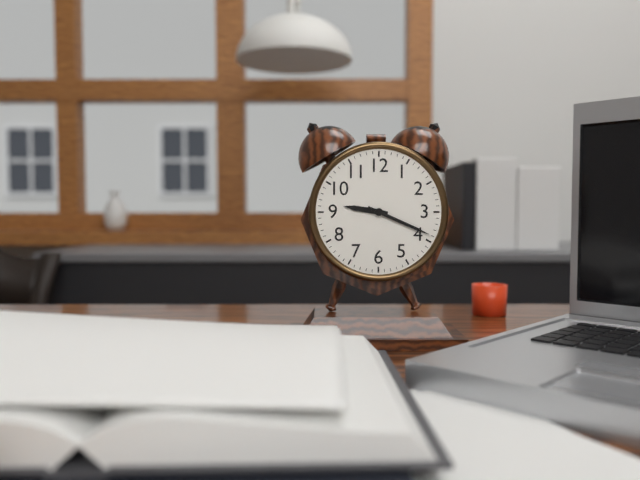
{"hour": 9, "minute": 19}
